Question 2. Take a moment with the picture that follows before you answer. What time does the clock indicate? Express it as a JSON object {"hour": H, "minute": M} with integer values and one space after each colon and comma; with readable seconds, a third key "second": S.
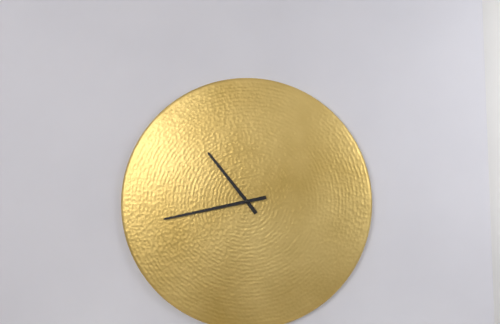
{"hour": 10, "minute": 43}
